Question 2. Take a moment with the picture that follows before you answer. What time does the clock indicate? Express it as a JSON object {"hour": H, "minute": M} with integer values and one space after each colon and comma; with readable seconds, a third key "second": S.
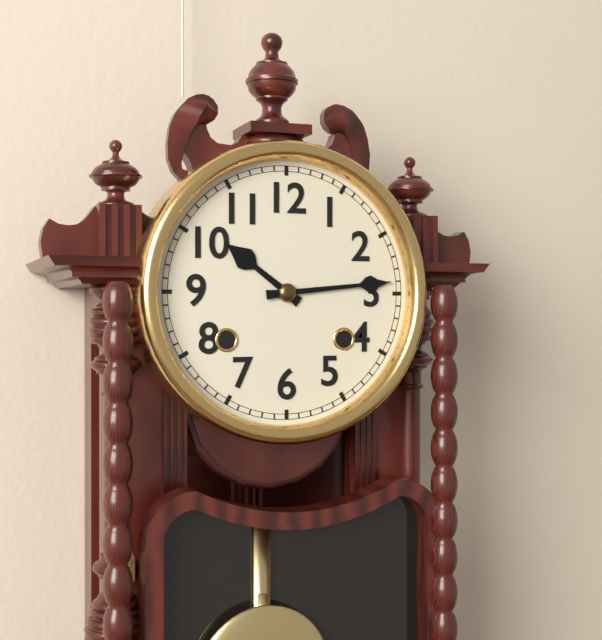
{"hour": 10, "minute": 14}
